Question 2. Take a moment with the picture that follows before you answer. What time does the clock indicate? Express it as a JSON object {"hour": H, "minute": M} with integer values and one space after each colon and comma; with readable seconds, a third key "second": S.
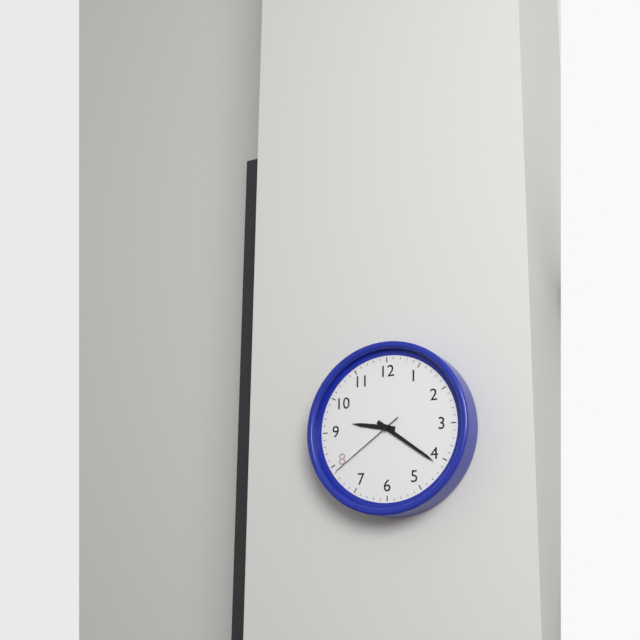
{"hour": 9, "minute": 21, "second": 39}
